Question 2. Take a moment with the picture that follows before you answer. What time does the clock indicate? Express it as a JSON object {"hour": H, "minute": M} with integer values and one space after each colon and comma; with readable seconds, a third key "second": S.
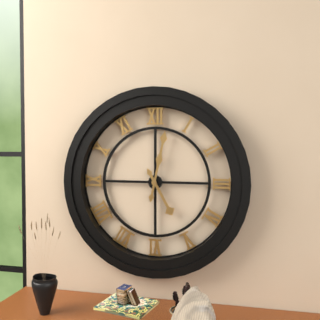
{"hour": 5, "minute": 2}
